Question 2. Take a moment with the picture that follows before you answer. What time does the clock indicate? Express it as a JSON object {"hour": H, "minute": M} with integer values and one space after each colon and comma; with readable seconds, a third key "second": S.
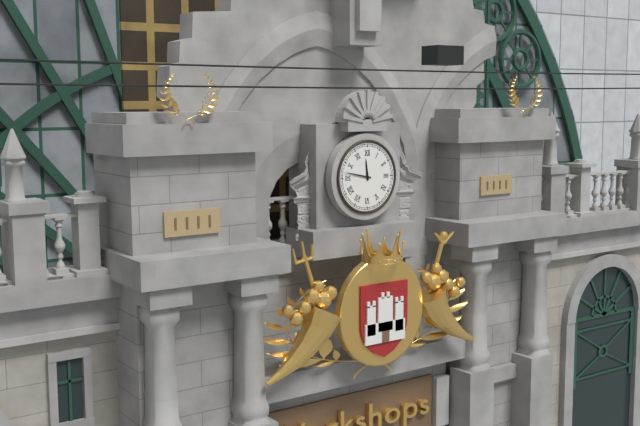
{"hour": 11, "minute": 47}
